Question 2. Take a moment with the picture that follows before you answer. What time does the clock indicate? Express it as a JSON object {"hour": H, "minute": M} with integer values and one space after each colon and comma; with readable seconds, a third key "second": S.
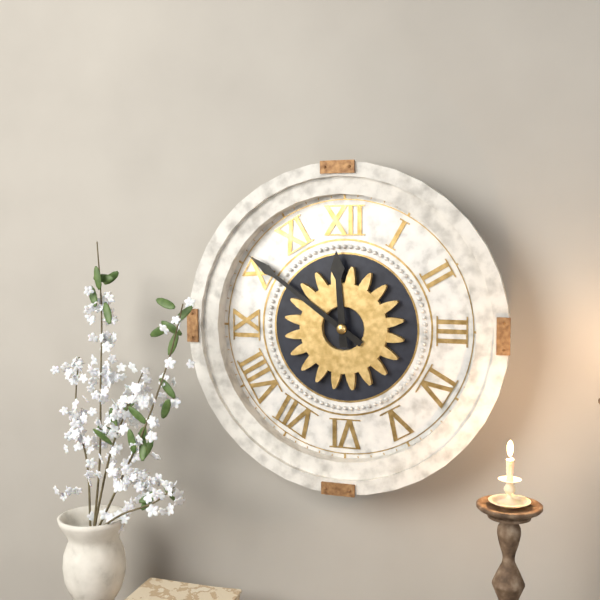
{"hour": 11, "minute": 51}
